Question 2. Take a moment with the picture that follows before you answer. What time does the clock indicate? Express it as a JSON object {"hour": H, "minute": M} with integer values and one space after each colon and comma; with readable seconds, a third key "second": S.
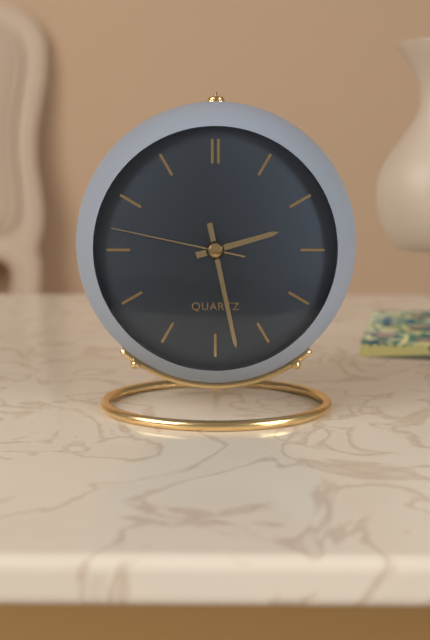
{"hour": 2, "minute": 28, "second": 47}
